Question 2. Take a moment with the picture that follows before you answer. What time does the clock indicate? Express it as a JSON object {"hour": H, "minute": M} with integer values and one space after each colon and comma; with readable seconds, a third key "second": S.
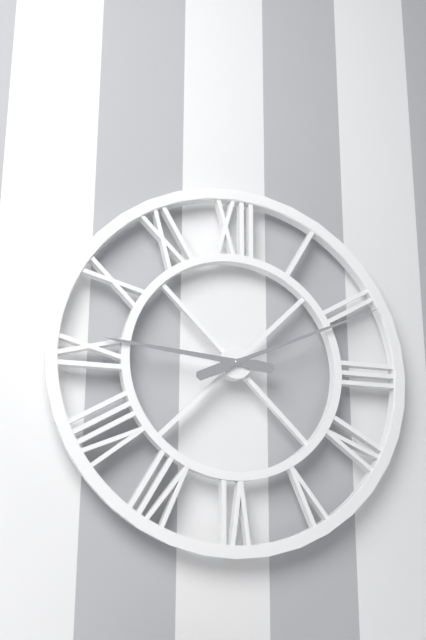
{"hour": 9, "minute": 11}
